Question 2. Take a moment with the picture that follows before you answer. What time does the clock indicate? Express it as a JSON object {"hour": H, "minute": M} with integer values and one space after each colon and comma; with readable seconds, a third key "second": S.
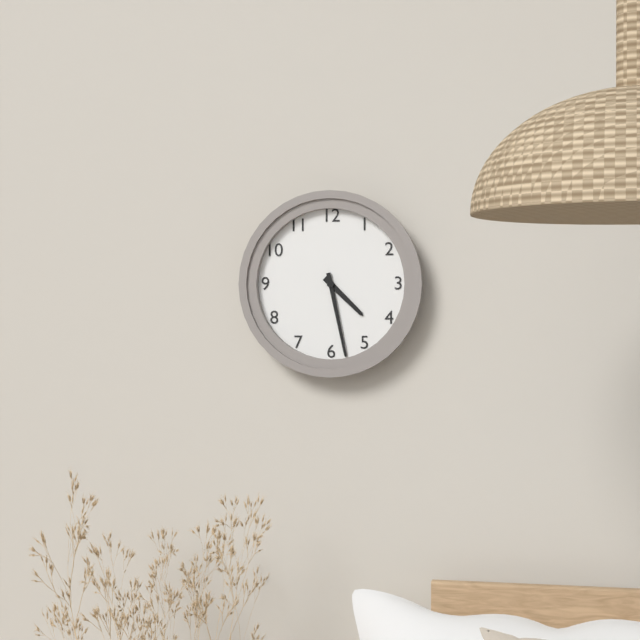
{"hour": 4, "minute": 28}
